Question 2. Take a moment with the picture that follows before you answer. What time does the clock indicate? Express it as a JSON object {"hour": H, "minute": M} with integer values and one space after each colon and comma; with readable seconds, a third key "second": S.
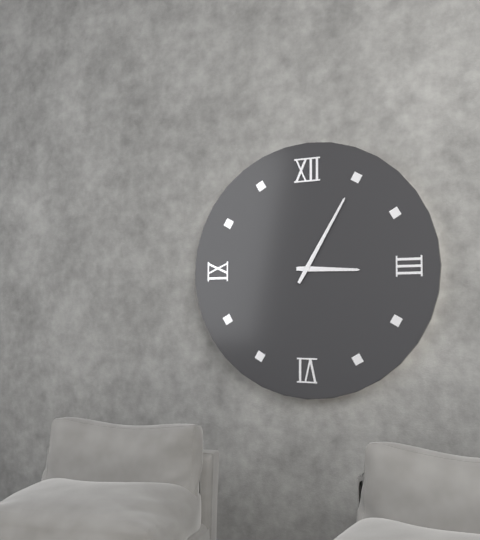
{"hour": 3, "minute": 5}
